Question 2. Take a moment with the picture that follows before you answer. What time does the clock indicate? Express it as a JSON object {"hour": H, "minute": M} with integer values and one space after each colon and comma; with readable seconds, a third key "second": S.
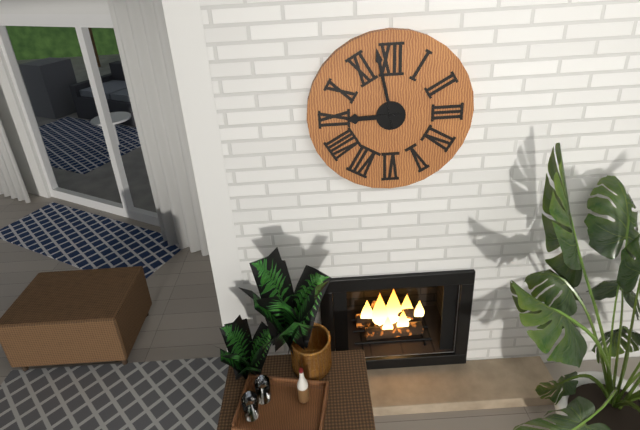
{"hour": 8, "minute": 58}
